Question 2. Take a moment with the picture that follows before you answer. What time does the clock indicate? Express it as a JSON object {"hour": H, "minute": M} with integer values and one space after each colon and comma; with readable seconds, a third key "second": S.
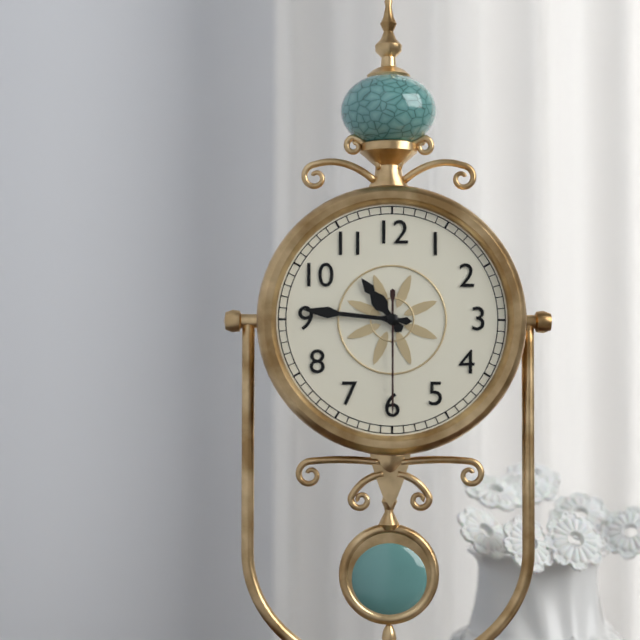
{"hour": 10, "minute": 46, "second": 30}
